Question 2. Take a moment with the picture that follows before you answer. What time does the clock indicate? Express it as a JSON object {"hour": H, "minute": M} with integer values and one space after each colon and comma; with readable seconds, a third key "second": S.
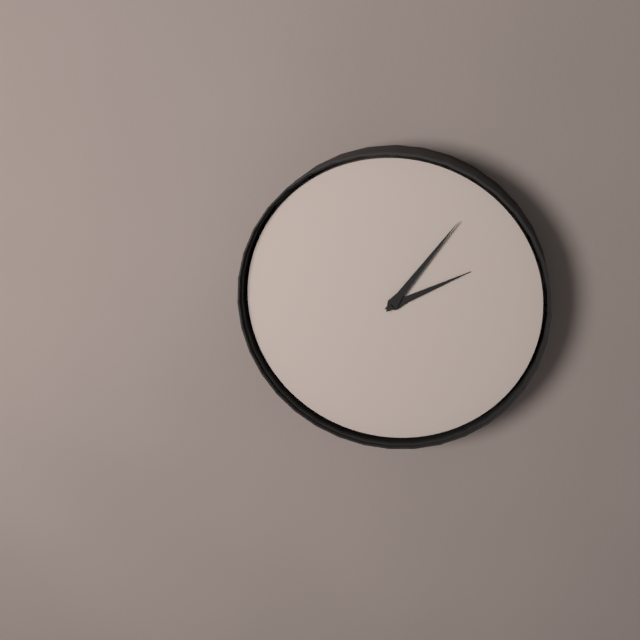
{"hour": 2, "minute": 6}
